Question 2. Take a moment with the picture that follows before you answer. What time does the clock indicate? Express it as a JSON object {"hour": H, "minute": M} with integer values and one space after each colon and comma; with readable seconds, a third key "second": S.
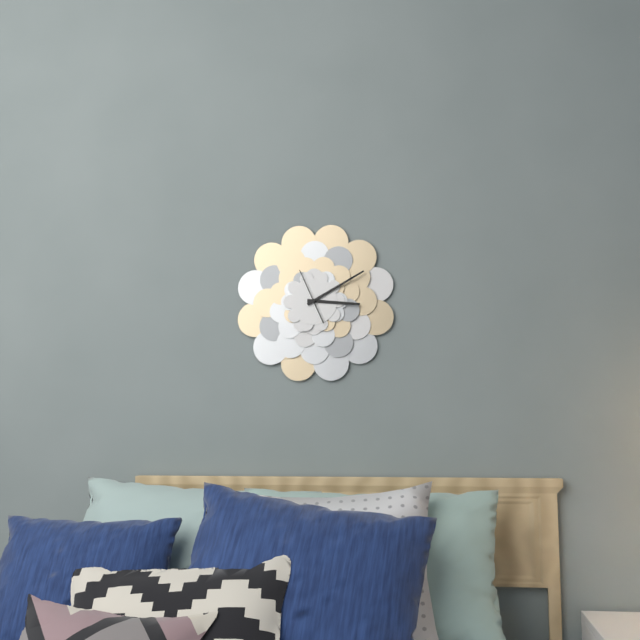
{"hour": 3, "minute": 10}
